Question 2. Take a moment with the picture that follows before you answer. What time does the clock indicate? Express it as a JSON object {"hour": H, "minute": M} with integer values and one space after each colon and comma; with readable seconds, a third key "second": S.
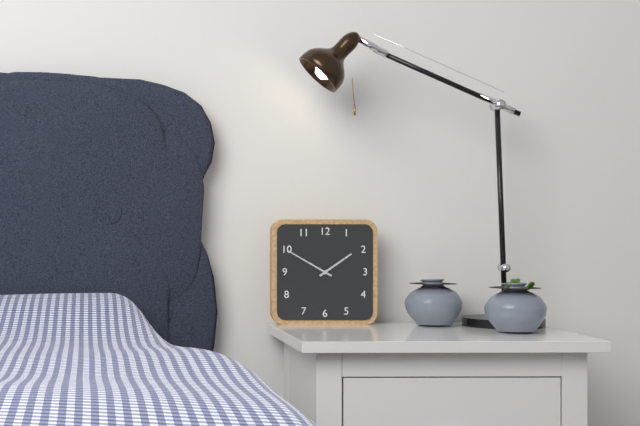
{"hour": 1, "minute": 50}
